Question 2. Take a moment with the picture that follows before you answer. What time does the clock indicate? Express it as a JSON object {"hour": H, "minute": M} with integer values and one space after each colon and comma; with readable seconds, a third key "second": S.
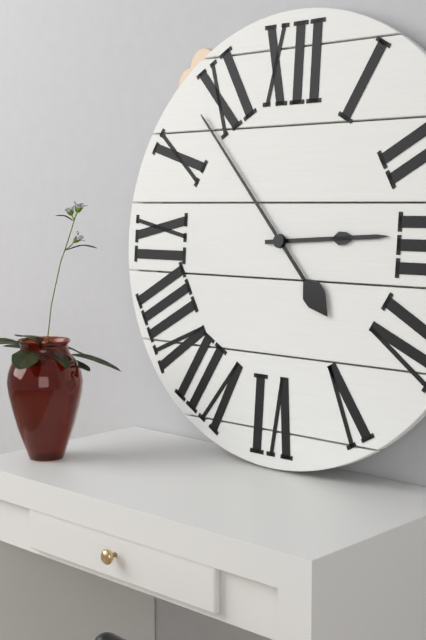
{"hour": 2, "minute": 53}
